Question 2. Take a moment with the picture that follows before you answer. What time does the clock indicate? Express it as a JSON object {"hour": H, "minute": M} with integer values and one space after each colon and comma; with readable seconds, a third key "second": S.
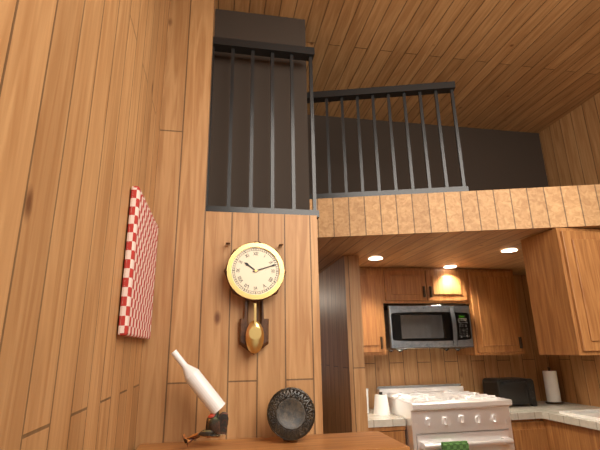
{"hour": 10, "minute": 12}
